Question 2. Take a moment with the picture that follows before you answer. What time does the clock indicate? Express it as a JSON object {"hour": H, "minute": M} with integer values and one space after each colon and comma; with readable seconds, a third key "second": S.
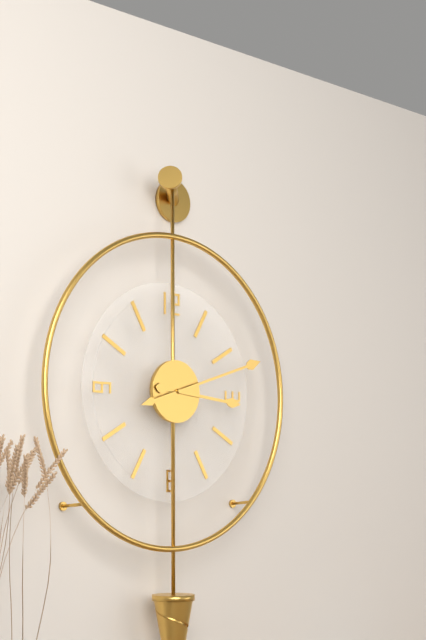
{"hour": 3, "minute": 12}
